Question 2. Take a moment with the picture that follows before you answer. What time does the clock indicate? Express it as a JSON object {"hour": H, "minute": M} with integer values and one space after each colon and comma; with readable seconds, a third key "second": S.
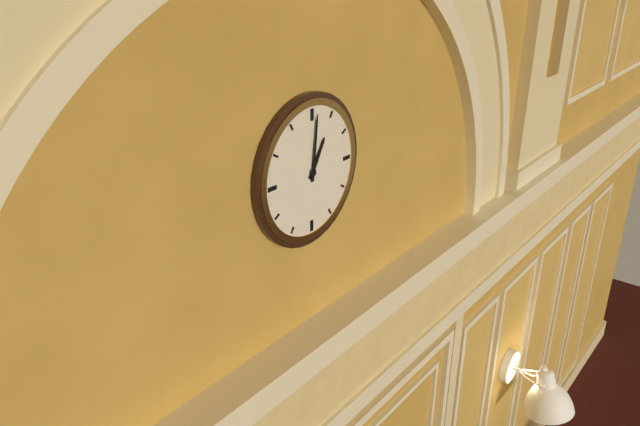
{"hour": 1, "minute": 1}
